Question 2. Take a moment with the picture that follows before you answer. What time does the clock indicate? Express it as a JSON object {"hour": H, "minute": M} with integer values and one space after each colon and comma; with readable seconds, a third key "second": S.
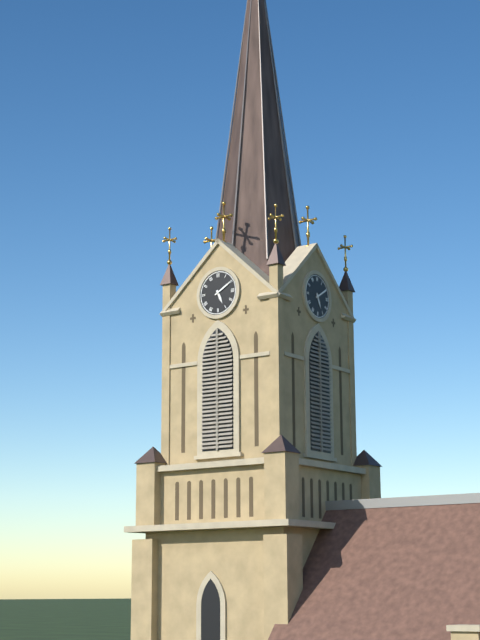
{"hour": 5, "minute": 10}
